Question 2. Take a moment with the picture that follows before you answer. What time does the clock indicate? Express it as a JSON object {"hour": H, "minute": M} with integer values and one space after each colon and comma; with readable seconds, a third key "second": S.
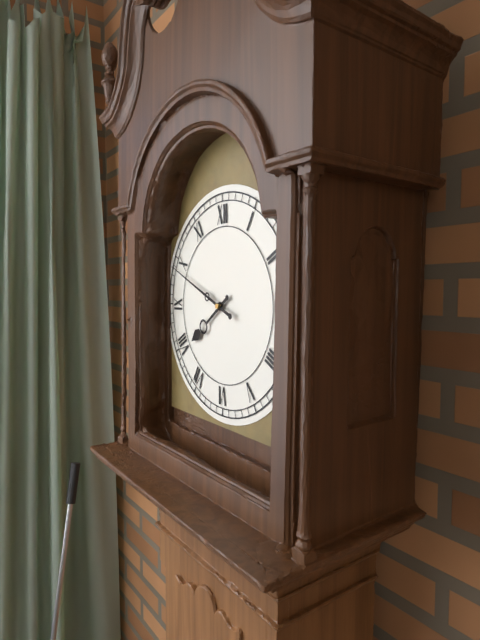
{"hour": 7, "minute": 49}
